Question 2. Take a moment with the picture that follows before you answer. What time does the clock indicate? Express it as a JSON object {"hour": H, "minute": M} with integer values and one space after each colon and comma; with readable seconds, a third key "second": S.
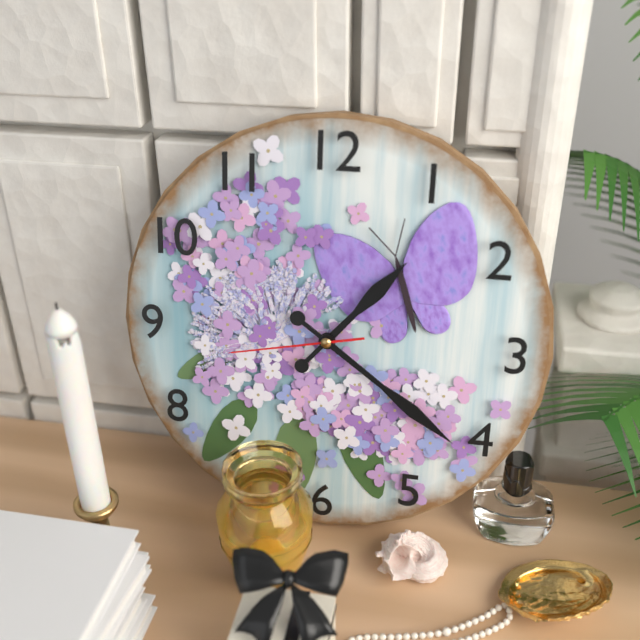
{"hour": 1, "minute": 21, "second": 43}
